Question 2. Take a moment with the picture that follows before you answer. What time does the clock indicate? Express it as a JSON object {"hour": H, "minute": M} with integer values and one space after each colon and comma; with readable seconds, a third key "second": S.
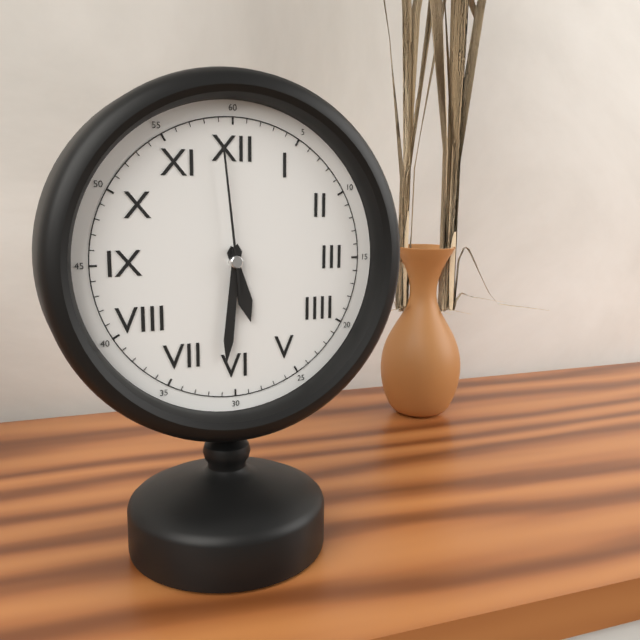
{"hour": 5, "minute": 31, "second": 59}
